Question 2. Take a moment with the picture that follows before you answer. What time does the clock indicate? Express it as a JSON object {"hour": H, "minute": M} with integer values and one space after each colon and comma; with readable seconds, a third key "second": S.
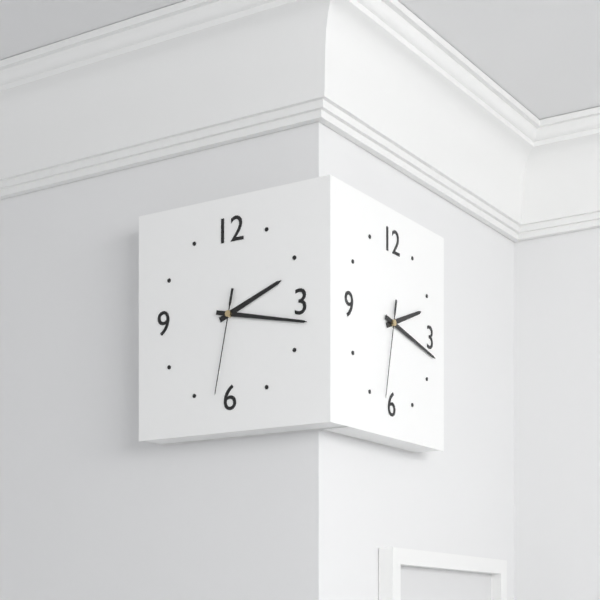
{"hour": 2, "minute": 17, "second": 32}
